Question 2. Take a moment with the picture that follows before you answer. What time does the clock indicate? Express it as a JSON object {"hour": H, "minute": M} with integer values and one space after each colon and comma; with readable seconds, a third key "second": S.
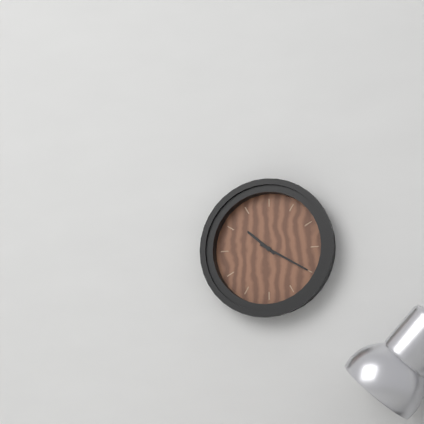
{"hour": 10, "minute": 20}
